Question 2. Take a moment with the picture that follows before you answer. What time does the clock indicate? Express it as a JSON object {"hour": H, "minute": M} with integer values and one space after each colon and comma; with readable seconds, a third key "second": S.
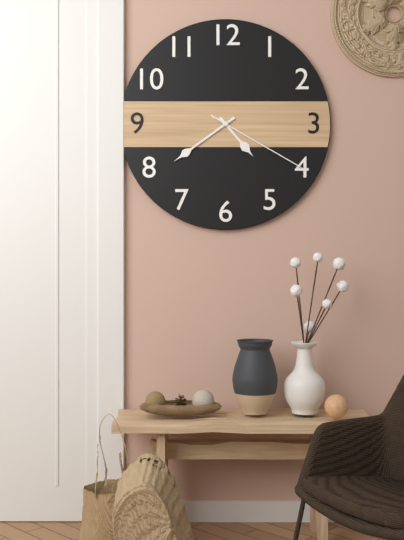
{"hour": 4, "minute": 39, "second": 20}
